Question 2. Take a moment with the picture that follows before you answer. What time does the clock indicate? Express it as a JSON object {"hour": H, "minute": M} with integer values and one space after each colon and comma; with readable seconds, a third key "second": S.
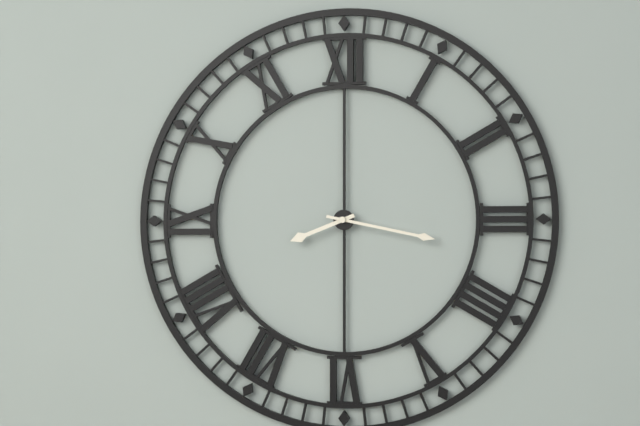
{"hour": 8, "minute": 17}
